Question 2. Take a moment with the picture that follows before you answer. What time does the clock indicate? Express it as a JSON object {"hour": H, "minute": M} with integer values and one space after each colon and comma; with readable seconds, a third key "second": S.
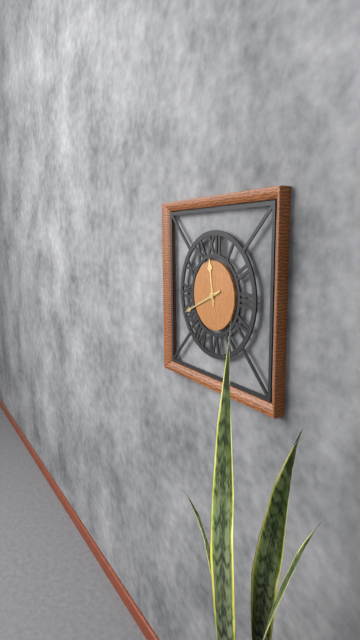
{"hour": 11, "minute": 41}
